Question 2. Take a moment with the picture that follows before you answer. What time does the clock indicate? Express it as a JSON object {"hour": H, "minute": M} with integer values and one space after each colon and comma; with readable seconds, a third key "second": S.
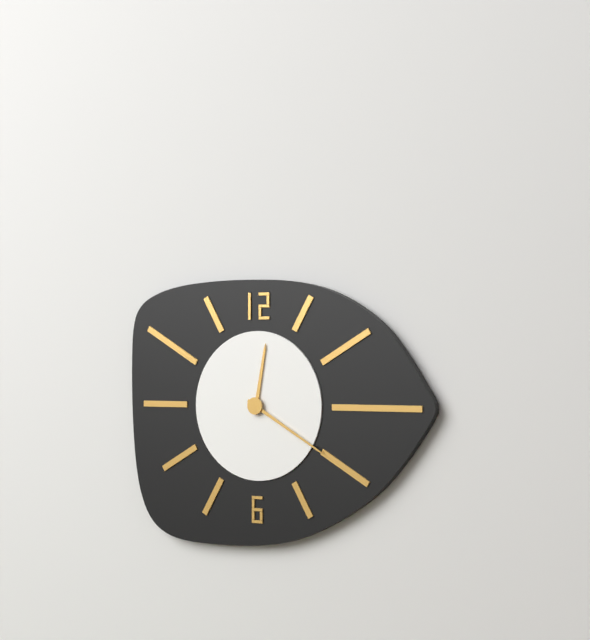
{"hour": 12, "minute": 20}
